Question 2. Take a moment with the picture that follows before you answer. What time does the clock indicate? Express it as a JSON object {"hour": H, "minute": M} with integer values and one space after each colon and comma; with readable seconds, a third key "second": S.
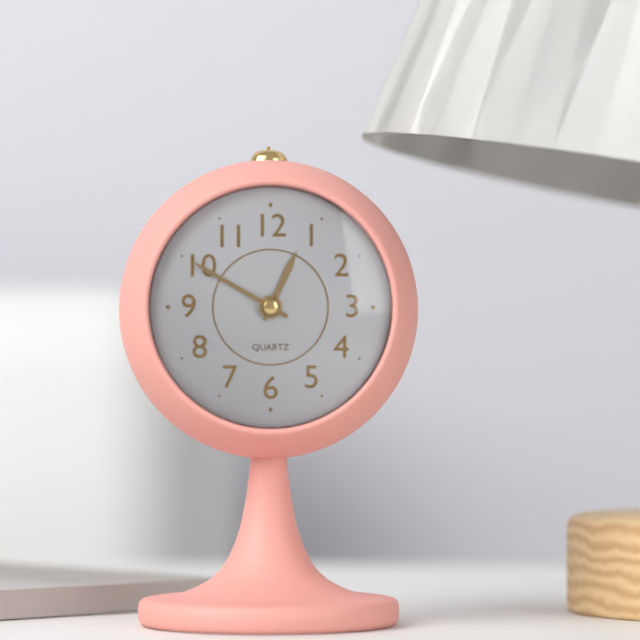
{"hour": 12, "minute": 50}
